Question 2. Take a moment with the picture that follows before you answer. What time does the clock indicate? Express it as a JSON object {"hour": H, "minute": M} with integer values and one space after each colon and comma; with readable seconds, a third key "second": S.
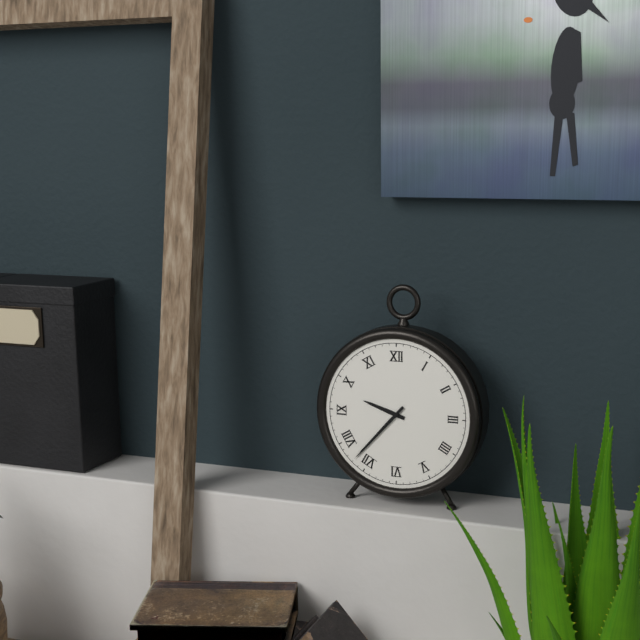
{"hour": 9, "minute": 37}
